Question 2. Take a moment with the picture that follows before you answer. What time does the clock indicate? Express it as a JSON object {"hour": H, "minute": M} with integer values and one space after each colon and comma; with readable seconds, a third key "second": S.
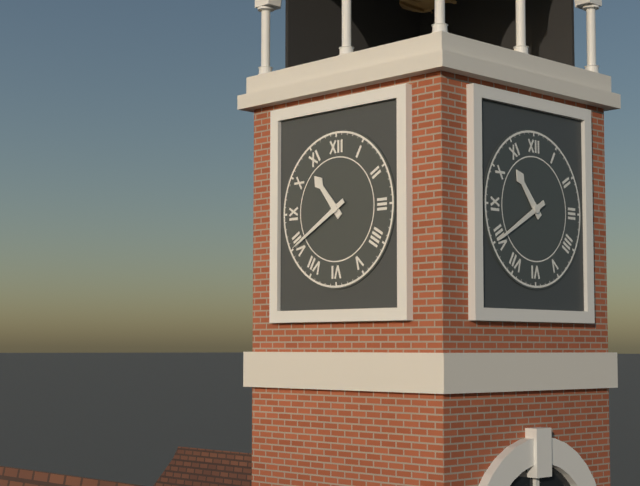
{"hour": 10, "minute": 40}
